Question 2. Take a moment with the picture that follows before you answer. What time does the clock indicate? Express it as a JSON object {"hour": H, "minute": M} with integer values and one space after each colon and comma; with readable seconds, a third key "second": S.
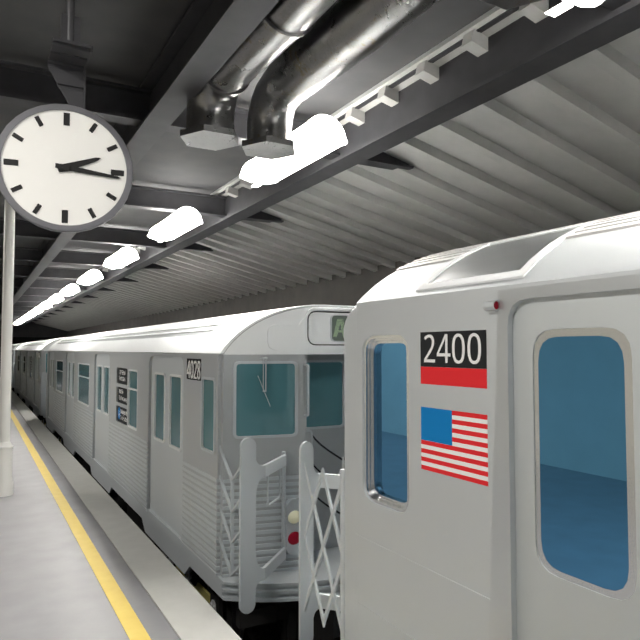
{"hour": 2, "minute": 16}
